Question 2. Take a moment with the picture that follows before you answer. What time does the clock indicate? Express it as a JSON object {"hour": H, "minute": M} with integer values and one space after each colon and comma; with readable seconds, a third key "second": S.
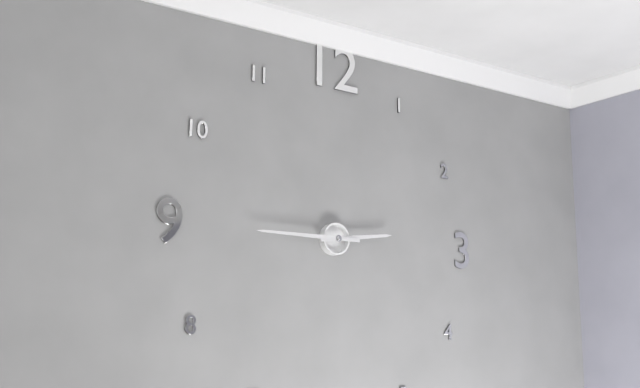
{"hour": 2, "minute": 45}
